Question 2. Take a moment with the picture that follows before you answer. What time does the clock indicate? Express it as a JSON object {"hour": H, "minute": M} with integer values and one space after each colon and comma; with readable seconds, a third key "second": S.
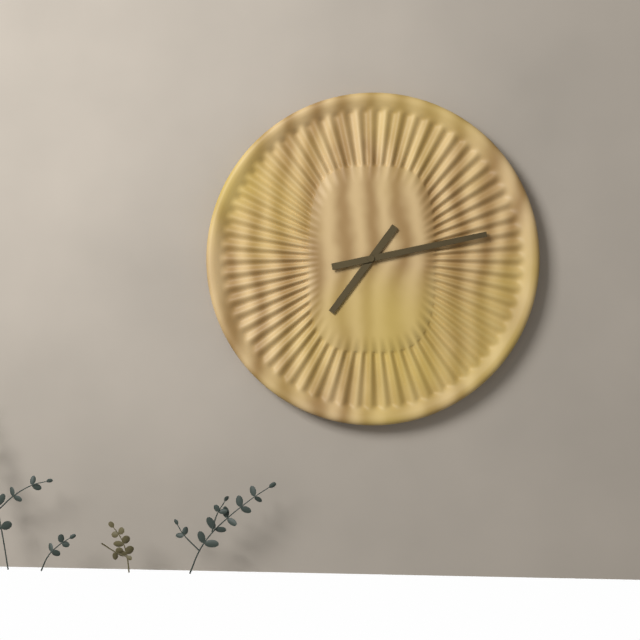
{"hour": 7, "minute": 13}
